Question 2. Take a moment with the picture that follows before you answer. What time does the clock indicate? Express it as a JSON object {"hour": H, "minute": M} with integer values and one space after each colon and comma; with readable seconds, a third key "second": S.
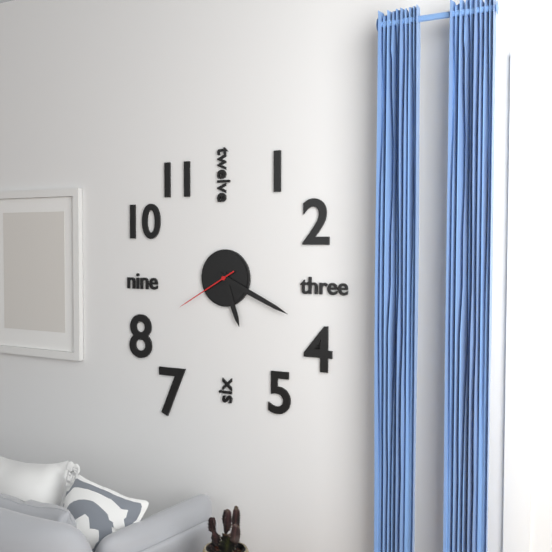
{"hour": 5, "minute": 19, "second": 40}
